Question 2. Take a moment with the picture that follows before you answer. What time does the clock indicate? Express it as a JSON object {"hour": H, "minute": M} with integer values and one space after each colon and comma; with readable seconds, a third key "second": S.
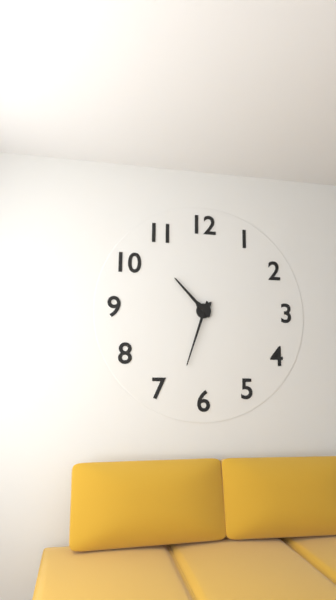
{"hour": 10, "minute": 33}
